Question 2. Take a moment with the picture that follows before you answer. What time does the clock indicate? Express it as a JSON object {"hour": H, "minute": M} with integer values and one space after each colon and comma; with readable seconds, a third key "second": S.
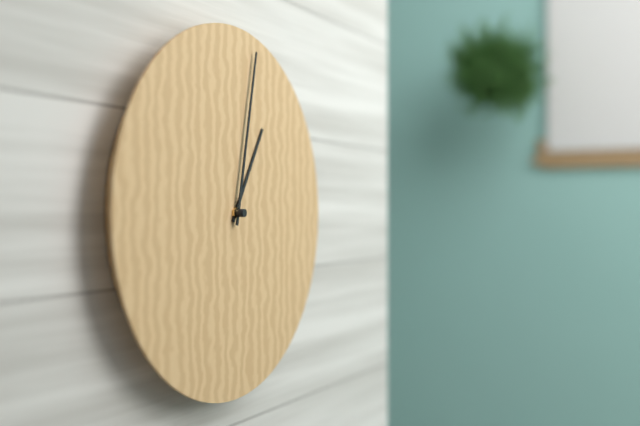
{"hour": 1, "minute": 2}
